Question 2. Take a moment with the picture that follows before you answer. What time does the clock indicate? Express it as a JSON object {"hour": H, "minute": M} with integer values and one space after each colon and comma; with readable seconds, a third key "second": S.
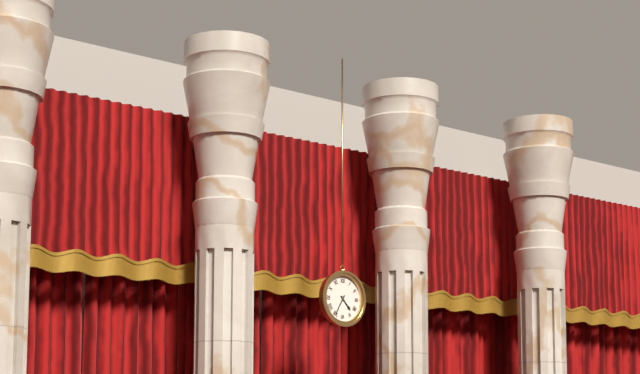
{"hour": 4, "minute": 35}
